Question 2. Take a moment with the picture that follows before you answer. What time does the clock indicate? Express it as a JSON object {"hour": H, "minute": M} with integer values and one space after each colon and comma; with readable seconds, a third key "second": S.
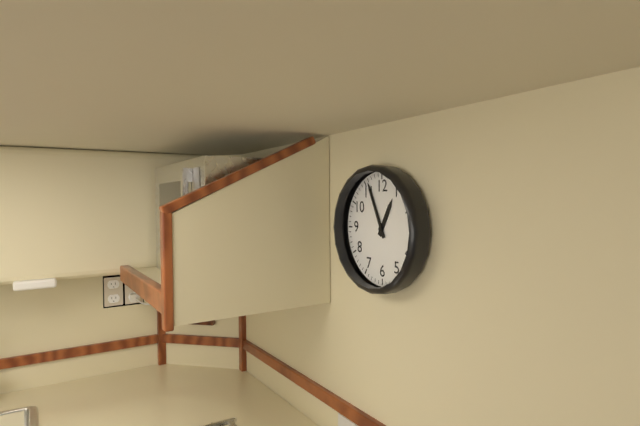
{"hour": 12, "minute": 56}
